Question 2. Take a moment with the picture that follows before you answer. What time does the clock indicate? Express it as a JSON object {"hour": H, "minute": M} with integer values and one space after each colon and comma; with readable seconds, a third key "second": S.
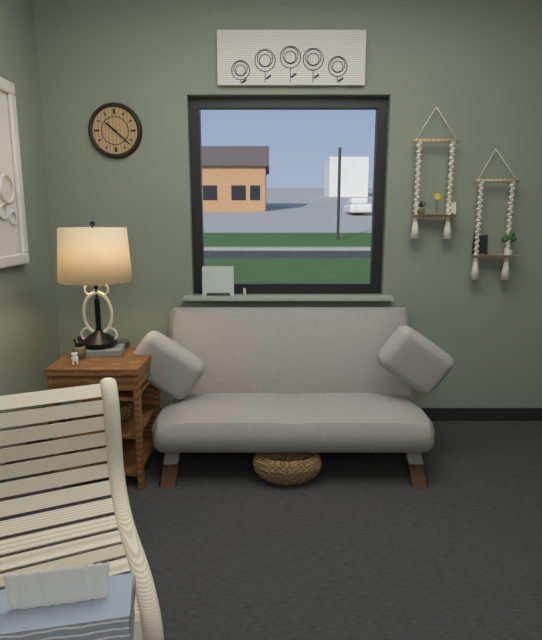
{"hour": 10, "minute": 22}
